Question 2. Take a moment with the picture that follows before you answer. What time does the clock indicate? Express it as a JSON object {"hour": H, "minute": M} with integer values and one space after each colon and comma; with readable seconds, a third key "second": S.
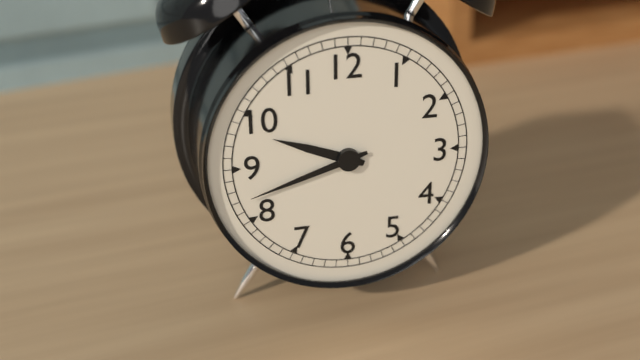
{"hour": 9, "minute": 42}
